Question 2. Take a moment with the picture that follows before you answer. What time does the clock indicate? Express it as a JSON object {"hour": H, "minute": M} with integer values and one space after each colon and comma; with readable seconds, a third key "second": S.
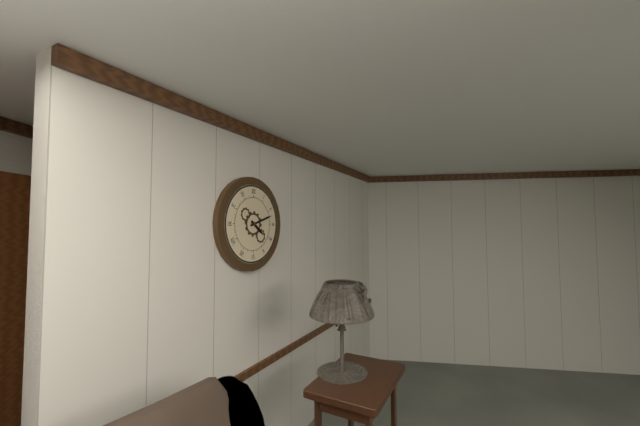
{"hour": 4, "minute": 12}
